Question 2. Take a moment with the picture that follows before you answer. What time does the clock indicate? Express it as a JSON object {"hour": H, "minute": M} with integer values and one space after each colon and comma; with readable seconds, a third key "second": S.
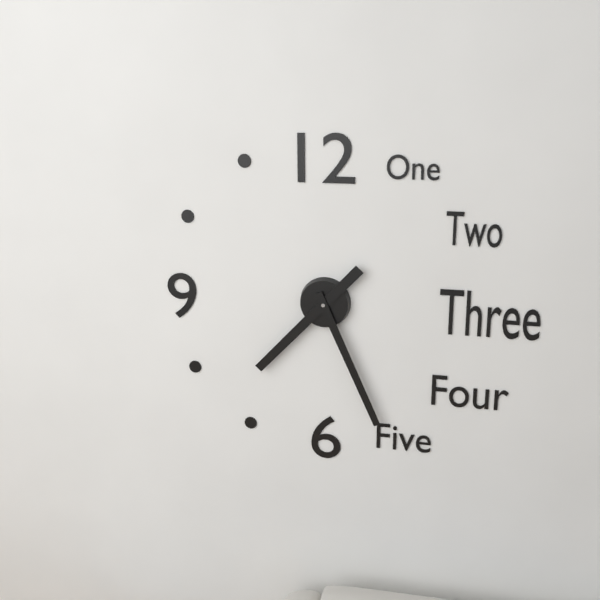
{"hour": 7, "minute": 26}
